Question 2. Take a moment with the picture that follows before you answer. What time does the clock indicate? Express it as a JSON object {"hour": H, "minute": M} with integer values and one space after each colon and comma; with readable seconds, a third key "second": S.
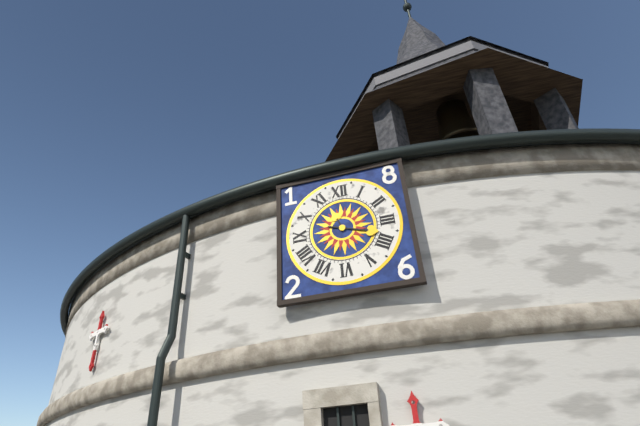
{"hour": 11, "minute": 18}
